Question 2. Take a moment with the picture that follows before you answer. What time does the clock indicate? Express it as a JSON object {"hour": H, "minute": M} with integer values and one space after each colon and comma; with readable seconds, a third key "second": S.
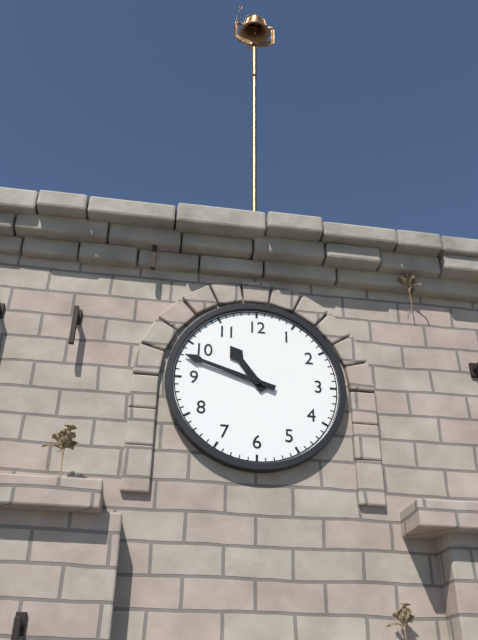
{"hour": 10, "minute": 48}
